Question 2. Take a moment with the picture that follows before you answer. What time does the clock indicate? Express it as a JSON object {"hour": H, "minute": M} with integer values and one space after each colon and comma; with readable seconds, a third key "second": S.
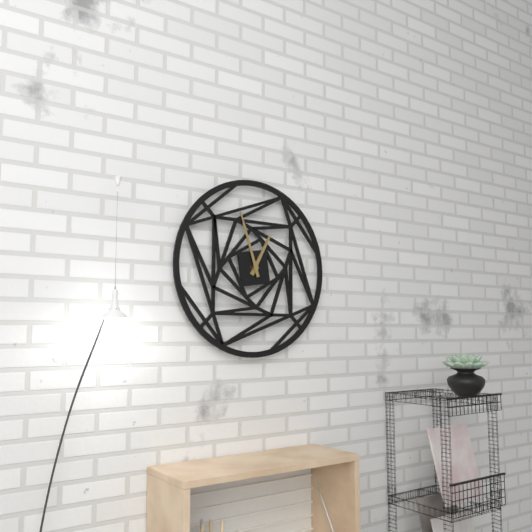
{"hour": 12, "minute": 57}
